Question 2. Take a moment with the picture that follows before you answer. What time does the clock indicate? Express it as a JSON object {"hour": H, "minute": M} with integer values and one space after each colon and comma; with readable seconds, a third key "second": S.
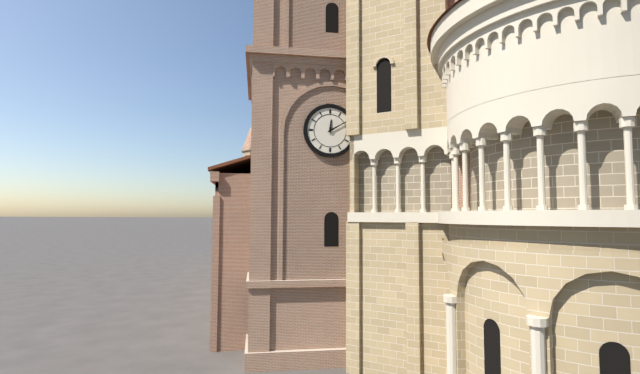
{"hour": 12, "minute": 10}
